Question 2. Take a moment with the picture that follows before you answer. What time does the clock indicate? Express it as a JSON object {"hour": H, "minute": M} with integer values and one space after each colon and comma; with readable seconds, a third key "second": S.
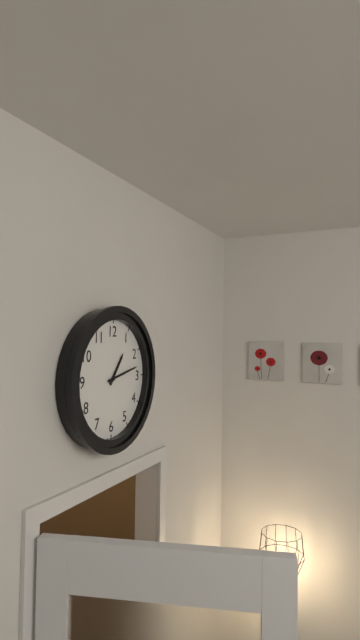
{"hour": 1, "minute": 13}
